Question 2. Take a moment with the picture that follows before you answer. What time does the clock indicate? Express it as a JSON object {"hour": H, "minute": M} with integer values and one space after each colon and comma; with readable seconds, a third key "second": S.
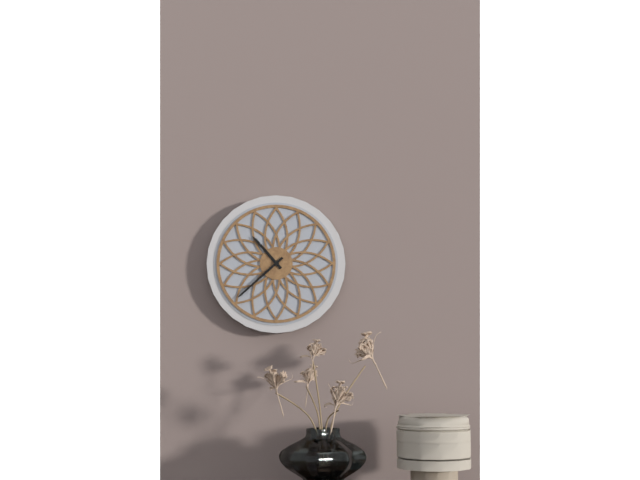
{"hour": 10, "minute": 38}
